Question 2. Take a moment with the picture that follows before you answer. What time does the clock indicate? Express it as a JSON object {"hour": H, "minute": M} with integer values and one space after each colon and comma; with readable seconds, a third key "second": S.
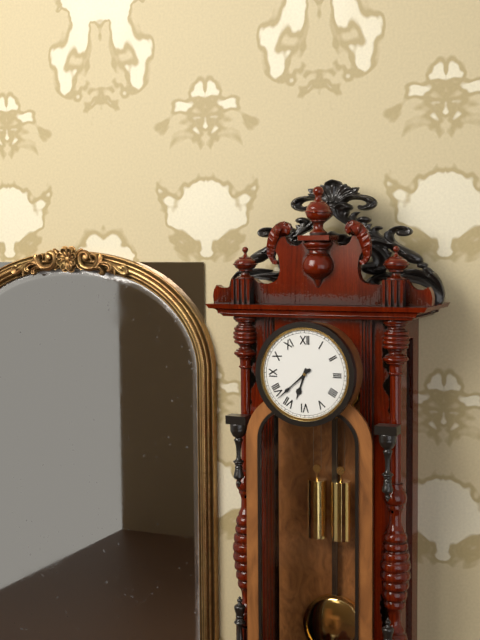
{"hour": 6, "minute": 38}
